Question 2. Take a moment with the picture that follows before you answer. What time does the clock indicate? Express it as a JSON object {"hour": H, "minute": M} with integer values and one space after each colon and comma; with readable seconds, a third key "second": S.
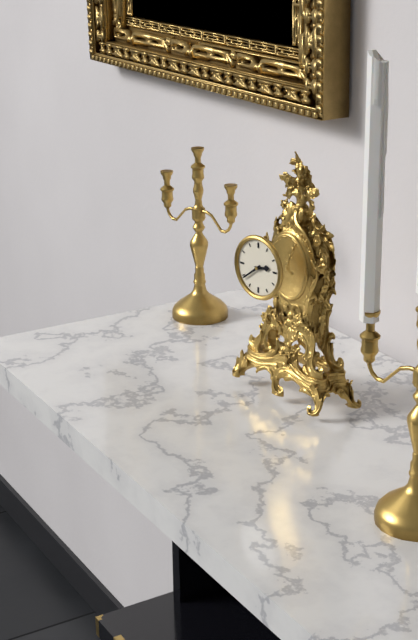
{"hour": 2, "minute": 39}
